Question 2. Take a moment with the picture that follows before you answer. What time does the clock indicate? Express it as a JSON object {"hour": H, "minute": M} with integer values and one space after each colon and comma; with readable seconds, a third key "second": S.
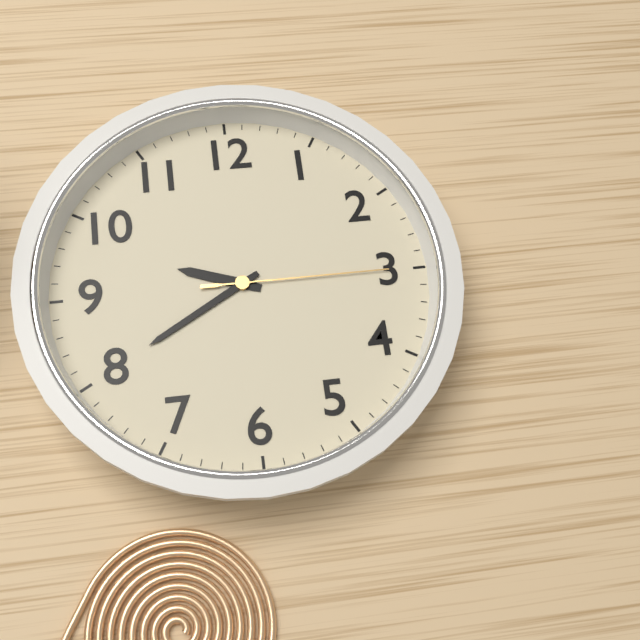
{"hour": 9, "minute": 40, "second": 15}
